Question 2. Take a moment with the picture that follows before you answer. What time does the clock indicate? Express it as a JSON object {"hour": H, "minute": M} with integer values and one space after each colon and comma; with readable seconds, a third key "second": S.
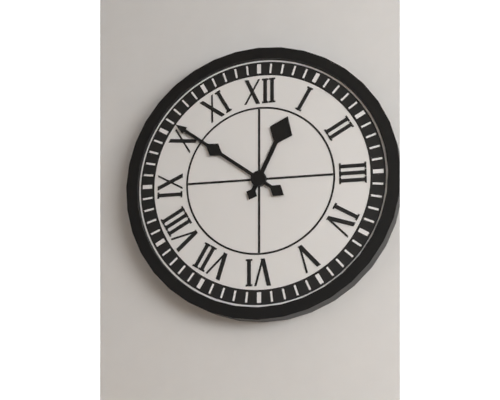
{"hour": 12, "minute": 51}
